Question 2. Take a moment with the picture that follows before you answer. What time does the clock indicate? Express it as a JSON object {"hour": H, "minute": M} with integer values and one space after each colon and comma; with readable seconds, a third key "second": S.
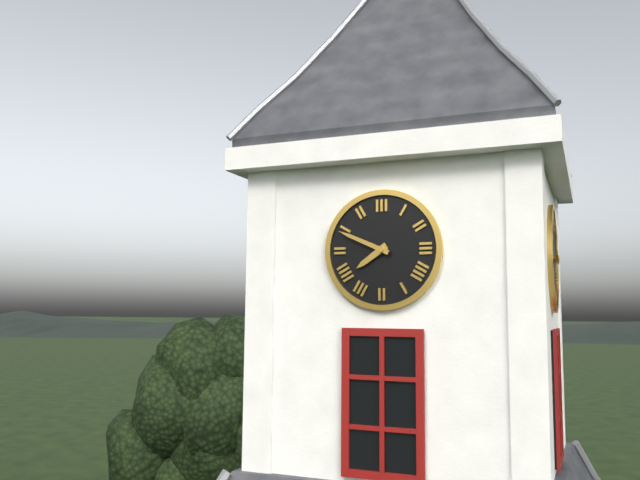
{"hour": 7, "minute": 49}
